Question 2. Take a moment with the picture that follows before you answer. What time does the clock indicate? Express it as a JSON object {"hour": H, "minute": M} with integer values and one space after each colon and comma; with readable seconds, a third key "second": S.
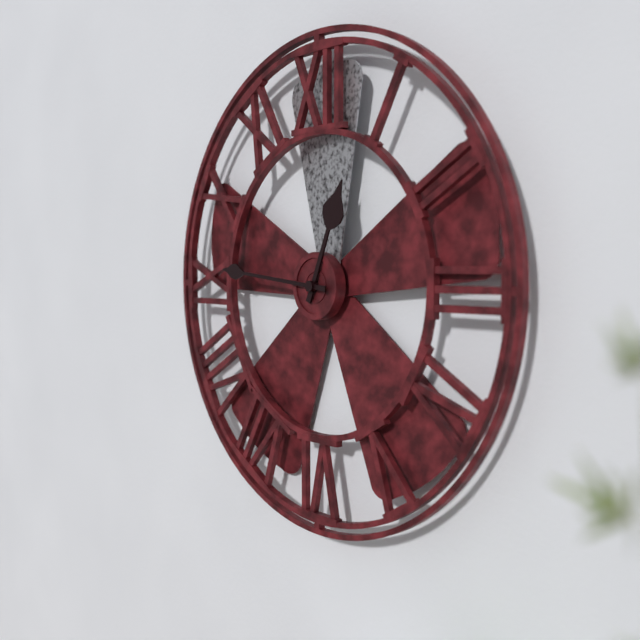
{"hour": 12, "minute": 46}
